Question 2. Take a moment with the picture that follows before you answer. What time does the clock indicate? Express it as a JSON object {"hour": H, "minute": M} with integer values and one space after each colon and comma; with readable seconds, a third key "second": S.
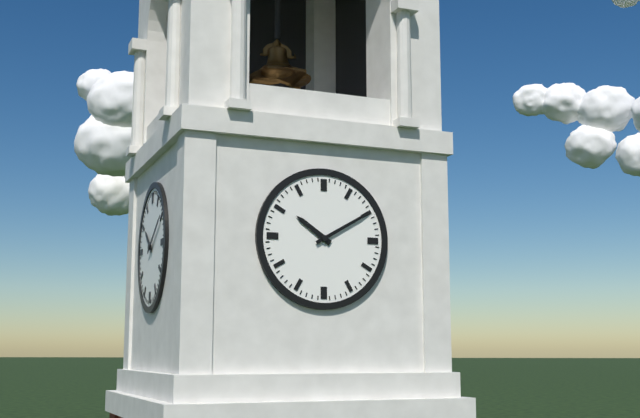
{"hour": 10, "minute": 10}
